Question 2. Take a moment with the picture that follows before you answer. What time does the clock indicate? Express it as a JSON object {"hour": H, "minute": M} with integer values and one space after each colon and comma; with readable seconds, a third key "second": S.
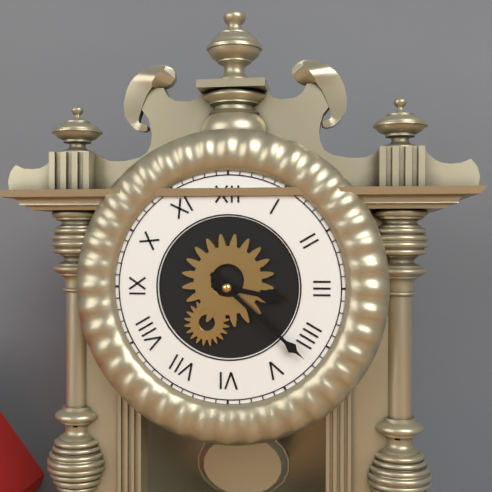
{"hour": 3, "minute": 22}
